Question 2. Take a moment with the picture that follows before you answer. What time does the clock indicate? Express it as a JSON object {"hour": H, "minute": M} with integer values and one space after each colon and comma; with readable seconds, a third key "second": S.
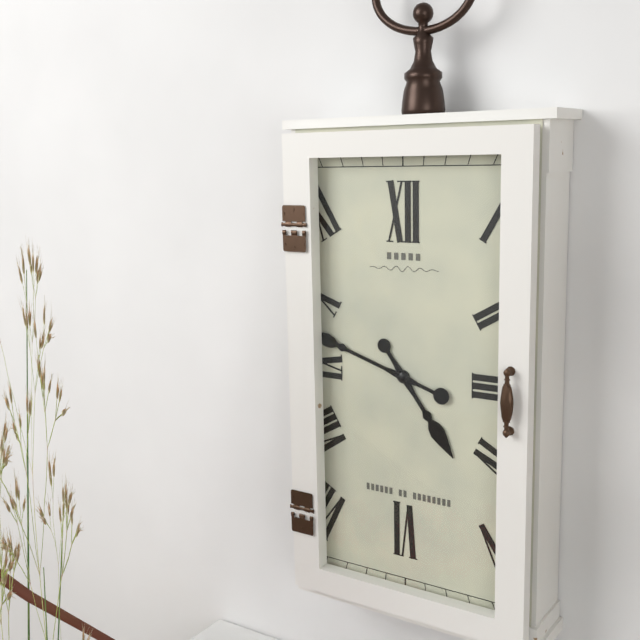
{"hour": 4, "minute": 48}
